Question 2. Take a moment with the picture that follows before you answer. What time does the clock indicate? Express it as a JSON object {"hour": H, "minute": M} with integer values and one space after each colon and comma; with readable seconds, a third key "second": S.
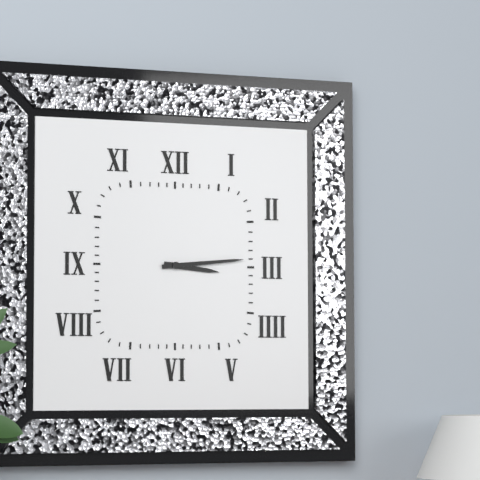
{"hour": 3, "minute": 14}
